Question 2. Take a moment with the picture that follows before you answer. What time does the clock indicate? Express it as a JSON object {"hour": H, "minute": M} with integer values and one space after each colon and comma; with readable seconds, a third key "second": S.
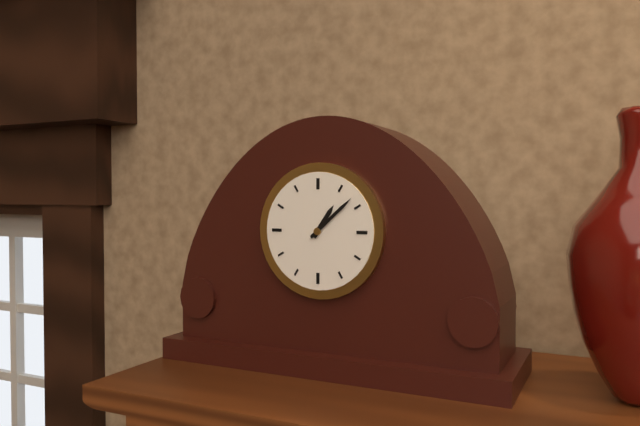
{"hour": 1, "minute": 8}
